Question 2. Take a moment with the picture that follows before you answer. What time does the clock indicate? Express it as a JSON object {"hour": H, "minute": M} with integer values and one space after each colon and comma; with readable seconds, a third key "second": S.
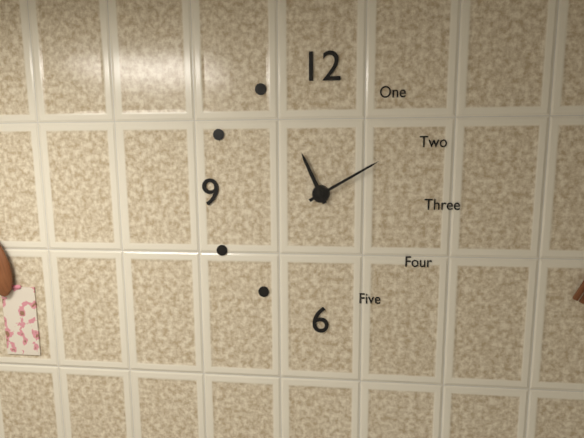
{"hour": 11, "minute": 10}
